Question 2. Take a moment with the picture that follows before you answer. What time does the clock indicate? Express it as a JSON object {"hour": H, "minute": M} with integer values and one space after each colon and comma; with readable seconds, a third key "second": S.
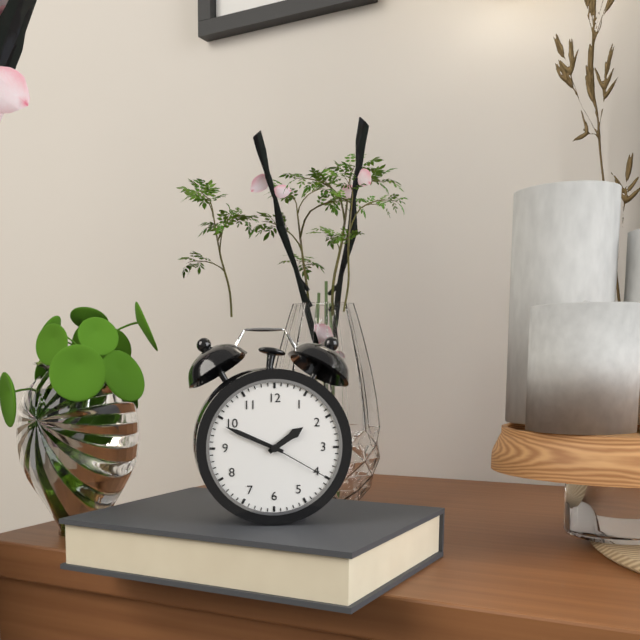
{"hour": 1, "minute": 49, "second": 20}
